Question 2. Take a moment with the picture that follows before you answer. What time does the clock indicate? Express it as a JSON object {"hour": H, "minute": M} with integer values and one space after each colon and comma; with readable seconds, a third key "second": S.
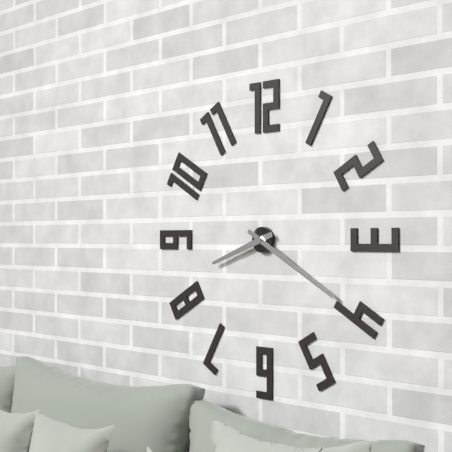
{"hour": 8, "minute": 20}
